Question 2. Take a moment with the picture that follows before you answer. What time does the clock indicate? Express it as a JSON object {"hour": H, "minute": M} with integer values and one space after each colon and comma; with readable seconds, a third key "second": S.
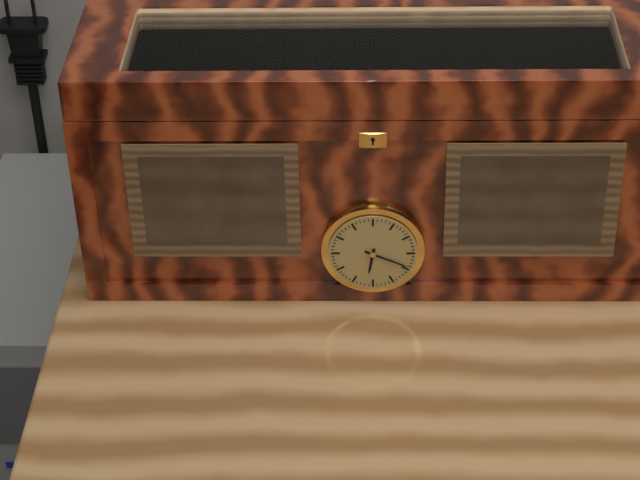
{"hour": 6, "minute": 19}
